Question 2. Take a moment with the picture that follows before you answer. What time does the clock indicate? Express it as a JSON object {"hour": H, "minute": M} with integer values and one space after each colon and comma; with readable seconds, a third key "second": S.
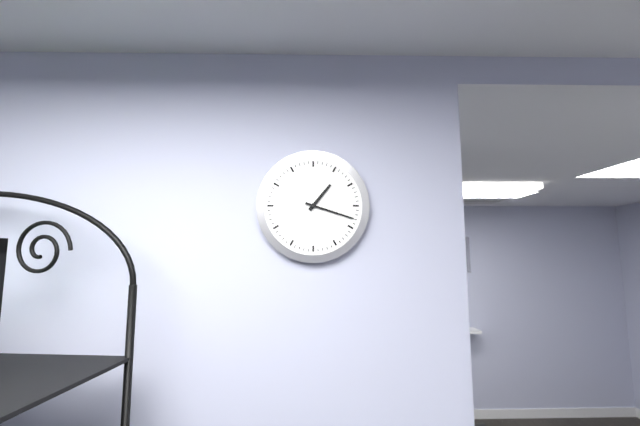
{"hour": 1, "minute": 18}
